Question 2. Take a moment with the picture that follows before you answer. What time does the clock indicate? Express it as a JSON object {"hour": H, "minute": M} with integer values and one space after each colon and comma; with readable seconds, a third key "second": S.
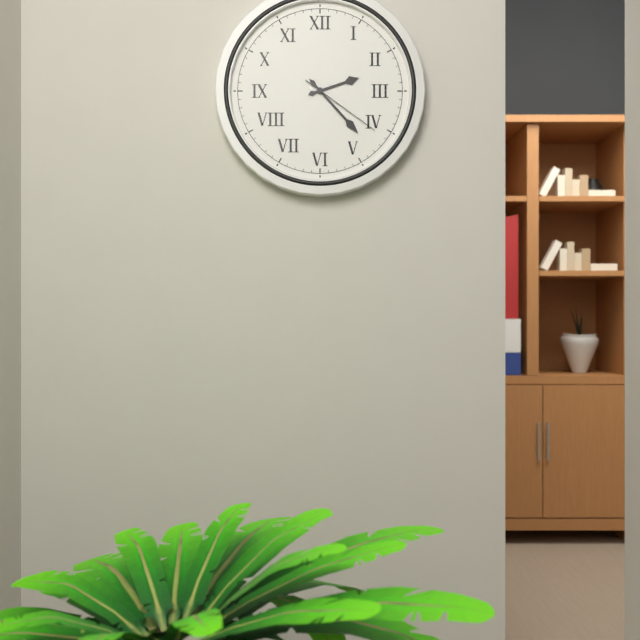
{"hour": 2, "minute": 23, "second": 21}
